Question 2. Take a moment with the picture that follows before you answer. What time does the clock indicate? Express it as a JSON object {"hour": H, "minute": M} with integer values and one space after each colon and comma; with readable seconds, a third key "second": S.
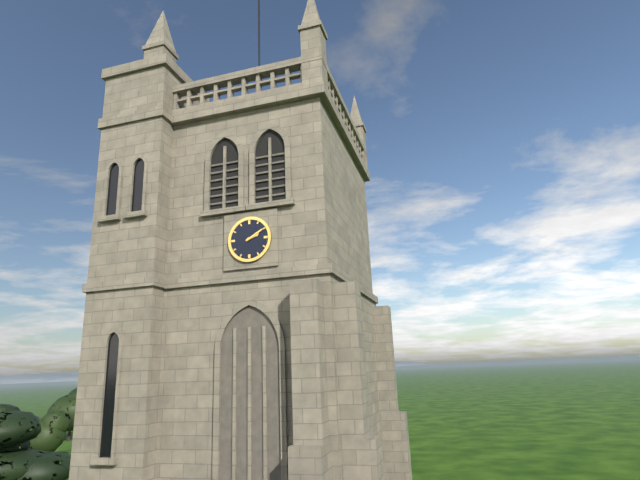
{"hour": 2, "minute": 10}
